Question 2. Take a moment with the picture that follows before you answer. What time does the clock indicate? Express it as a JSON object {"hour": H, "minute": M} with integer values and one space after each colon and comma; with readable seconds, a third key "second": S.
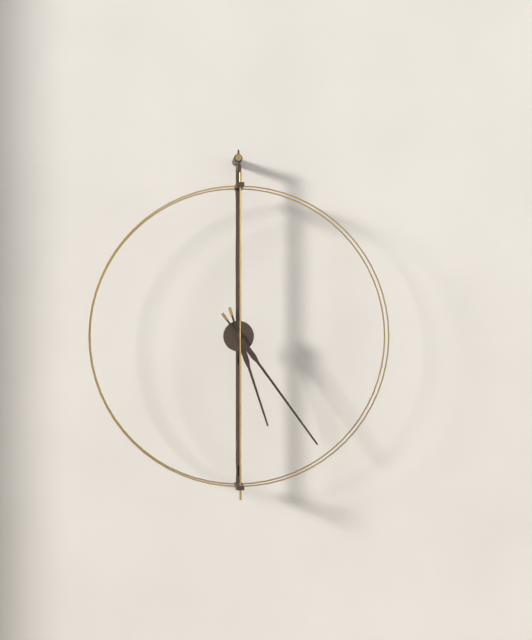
{"hour": 5, "minute": 24}
